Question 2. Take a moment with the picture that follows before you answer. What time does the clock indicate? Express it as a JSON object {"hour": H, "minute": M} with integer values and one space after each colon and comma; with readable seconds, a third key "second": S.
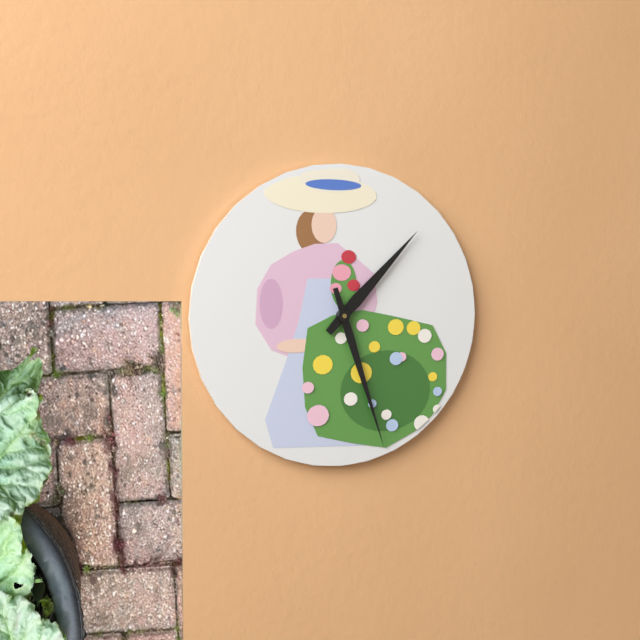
{"hour": 1, "minute": 27}
